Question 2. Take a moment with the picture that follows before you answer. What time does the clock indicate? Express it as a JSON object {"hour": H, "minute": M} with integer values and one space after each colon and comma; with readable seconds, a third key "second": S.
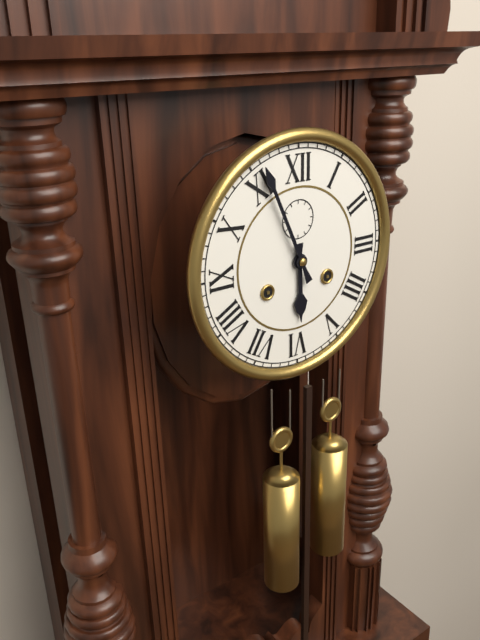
{"hour": 5, "minute": 56}
